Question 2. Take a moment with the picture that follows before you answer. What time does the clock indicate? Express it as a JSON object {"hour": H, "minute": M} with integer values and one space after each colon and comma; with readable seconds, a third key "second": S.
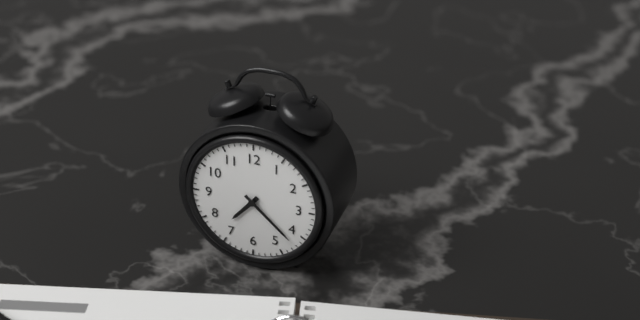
{"hour": 7, "minute": 22}
